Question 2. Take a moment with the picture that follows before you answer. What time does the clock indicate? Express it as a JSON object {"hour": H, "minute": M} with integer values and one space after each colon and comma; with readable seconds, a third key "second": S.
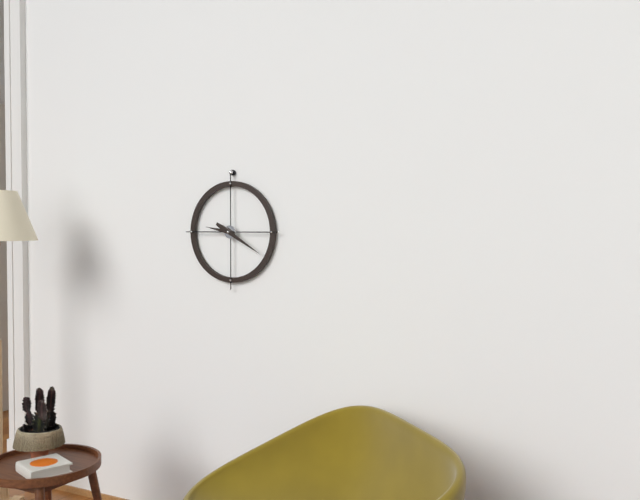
{"hour": 9, "minute": 20}
